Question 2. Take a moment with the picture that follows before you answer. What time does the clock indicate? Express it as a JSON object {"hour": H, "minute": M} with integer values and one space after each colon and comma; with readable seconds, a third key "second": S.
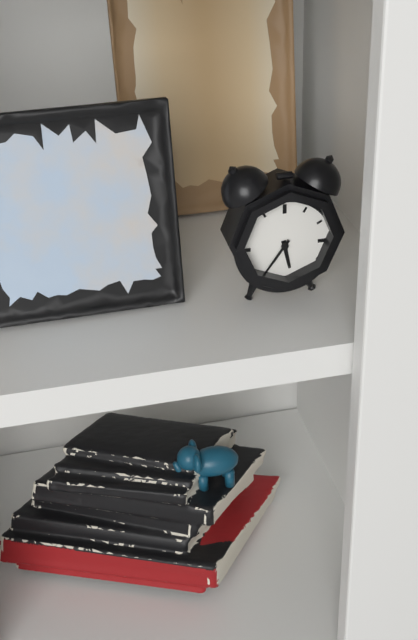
{"hour": 5, "minute": 36}
